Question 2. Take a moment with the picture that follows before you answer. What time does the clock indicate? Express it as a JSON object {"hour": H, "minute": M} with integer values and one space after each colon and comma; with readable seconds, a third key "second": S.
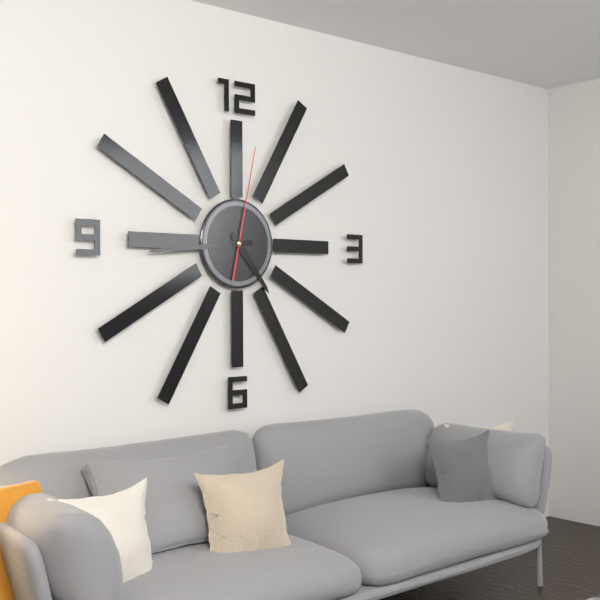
{"hour": 4, "minute": 44, "second": 2}
